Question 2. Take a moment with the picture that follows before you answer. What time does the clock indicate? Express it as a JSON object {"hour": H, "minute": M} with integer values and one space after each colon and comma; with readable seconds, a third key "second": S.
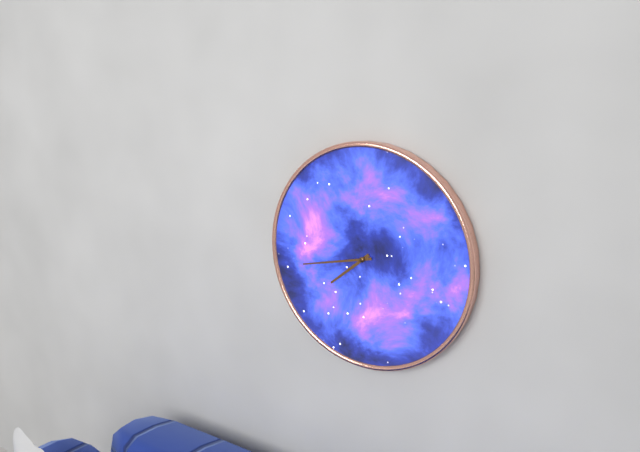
{"hour": 7, "minute": 43}
